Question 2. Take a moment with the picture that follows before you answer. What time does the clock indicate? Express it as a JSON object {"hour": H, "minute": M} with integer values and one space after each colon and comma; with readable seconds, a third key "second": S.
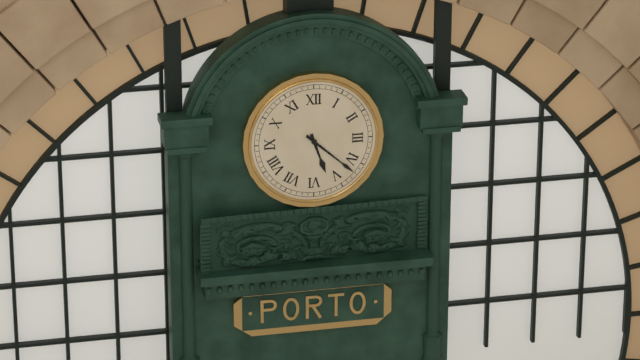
{"hour": 5, "minute": 22}
